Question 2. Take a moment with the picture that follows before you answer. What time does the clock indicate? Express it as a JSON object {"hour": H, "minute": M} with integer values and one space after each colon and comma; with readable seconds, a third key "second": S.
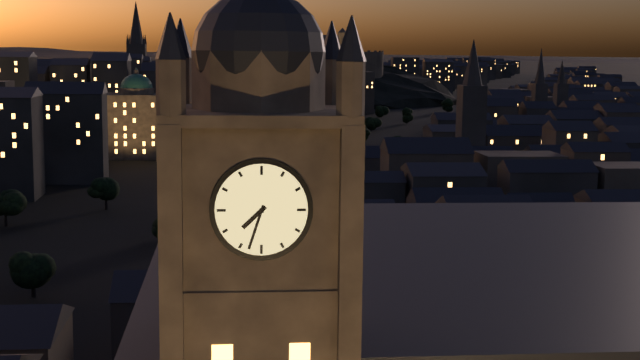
{"hour": 7, "minute": 33}
